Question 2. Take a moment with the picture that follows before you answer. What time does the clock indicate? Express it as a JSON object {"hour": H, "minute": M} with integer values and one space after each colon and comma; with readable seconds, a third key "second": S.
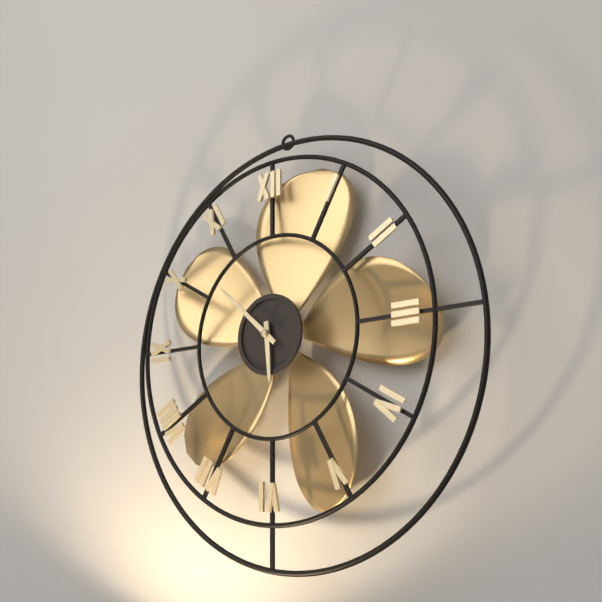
{"hour": 5, "minute": 52}
